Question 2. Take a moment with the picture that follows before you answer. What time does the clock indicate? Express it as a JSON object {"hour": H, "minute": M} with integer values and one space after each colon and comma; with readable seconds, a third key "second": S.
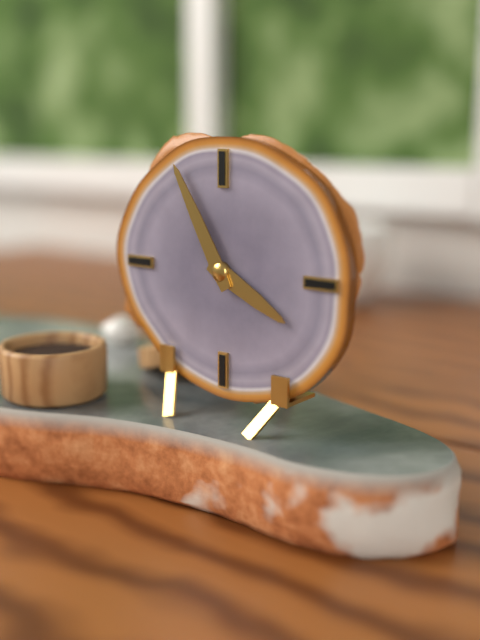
{"hour": 3, "minute": 55}
